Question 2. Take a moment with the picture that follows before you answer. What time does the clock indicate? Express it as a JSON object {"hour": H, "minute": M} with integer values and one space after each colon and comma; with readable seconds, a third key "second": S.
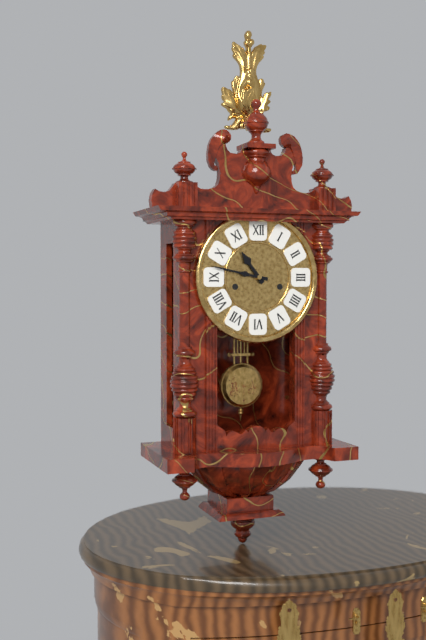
{"hour": 10, "minute": 47}
